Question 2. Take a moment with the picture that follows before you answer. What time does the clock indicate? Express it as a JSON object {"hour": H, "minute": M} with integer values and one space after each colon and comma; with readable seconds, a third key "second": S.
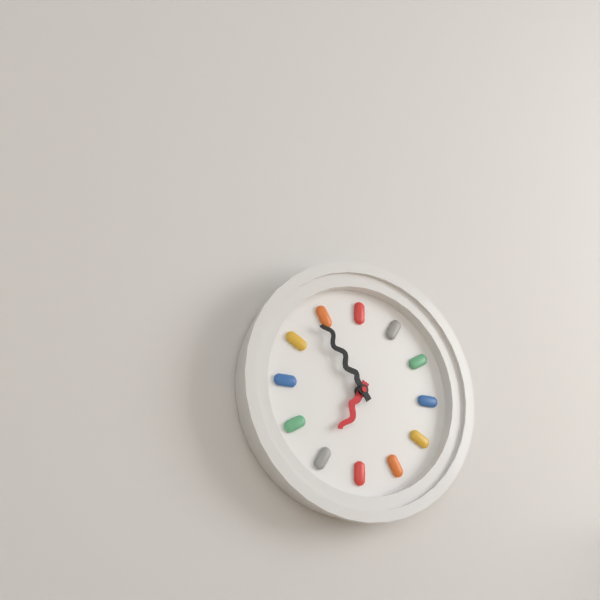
{"hour": 6, "minute": 54}
